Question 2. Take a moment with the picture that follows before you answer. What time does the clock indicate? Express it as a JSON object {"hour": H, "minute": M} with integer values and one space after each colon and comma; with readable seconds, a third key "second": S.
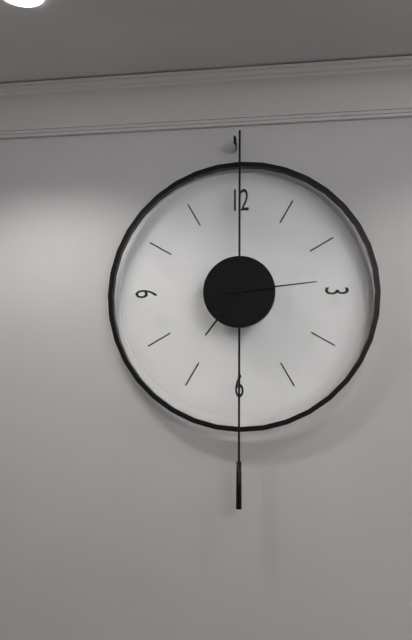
{"hour": 7, "minute": 14}
